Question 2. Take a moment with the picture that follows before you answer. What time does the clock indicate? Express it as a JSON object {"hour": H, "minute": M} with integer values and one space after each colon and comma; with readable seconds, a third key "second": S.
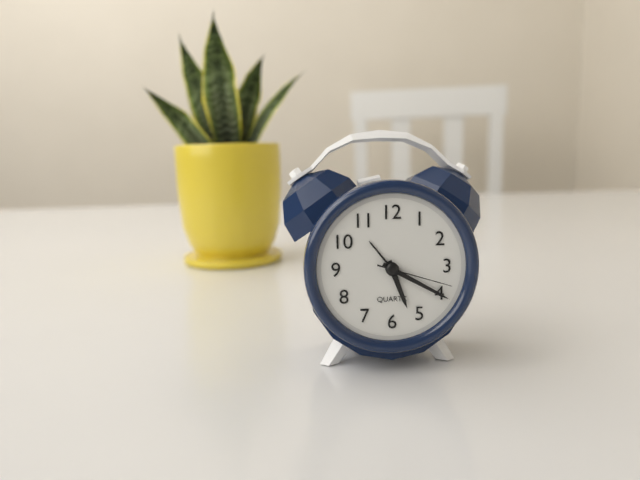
{"hour": 5, "minute": 20, "second": 18}
